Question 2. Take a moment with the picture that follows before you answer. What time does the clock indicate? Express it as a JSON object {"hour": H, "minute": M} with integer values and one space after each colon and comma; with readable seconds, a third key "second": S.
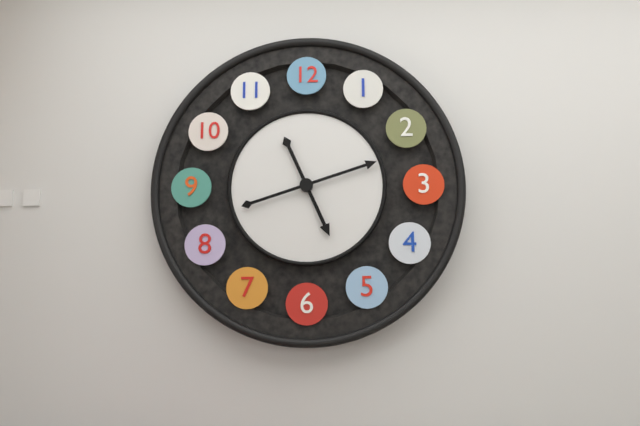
{"hour": 5, "minute": 12}
